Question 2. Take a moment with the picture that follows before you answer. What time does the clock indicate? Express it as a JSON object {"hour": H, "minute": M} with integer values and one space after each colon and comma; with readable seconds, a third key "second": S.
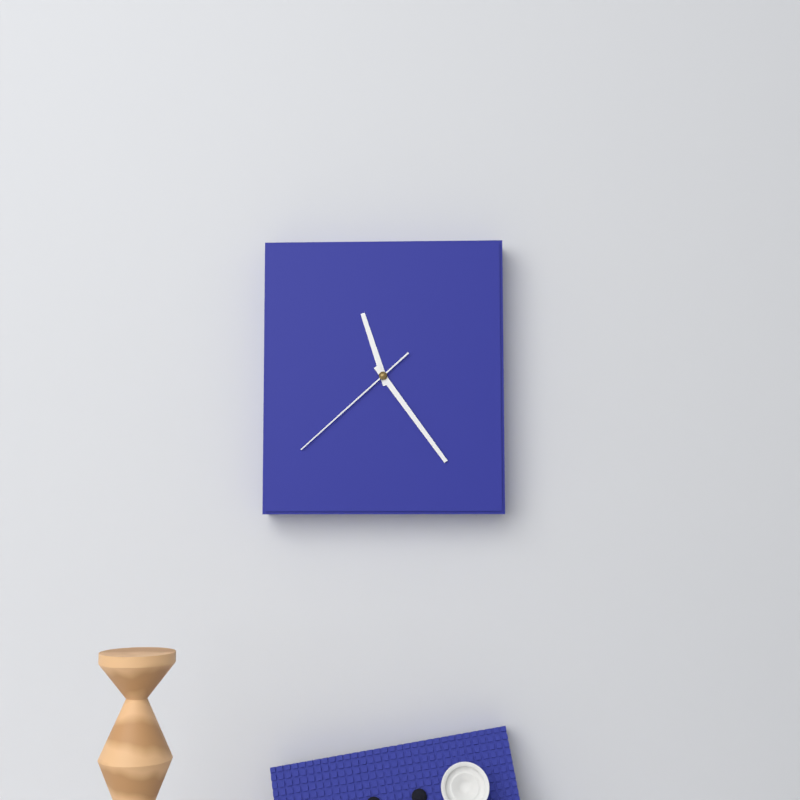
{"hour": 11, "minute": 24, "second": 38}
